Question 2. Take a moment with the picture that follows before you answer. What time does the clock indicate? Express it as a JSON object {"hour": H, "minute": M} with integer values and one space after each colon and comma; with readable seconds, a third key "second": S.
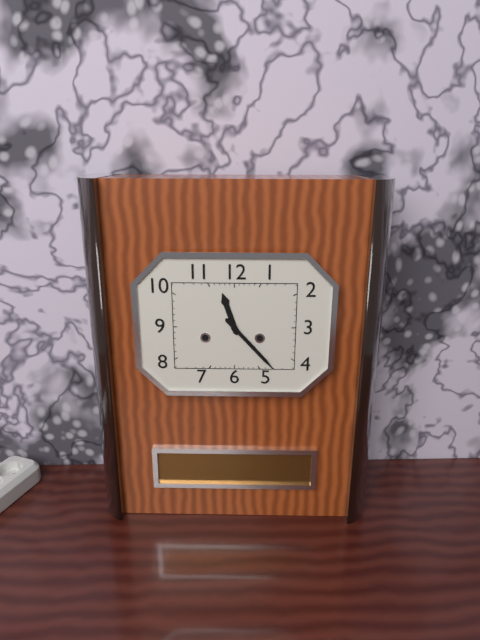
{"hour": 11, "minute": 23}
